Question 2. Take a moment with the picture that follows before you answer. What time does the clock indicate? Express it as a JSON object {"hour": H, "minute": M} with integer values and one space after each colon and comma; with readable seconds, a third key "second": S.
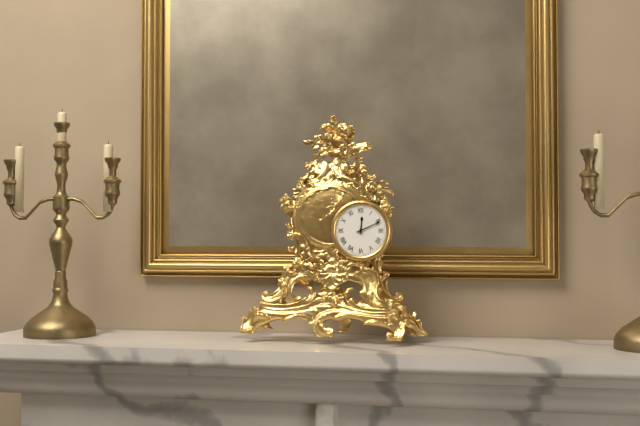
{"hour": 12, "minute": 11}
